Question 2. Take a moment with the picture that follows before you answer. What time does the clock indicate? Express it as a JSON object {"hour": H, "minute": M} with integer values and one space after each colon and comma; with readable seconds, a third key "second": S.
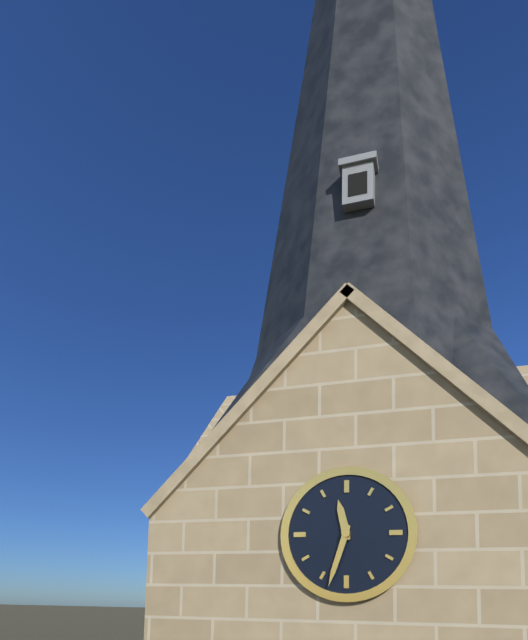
{"hour": 11, "minute": 33}
